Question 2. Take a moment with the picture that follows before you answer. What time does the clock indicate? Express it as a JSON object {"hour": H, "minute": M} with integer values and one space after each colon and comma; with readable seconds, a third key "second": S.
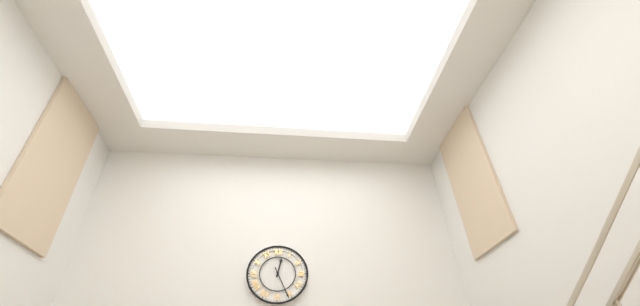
{"hour": 12, "minute": 26}
